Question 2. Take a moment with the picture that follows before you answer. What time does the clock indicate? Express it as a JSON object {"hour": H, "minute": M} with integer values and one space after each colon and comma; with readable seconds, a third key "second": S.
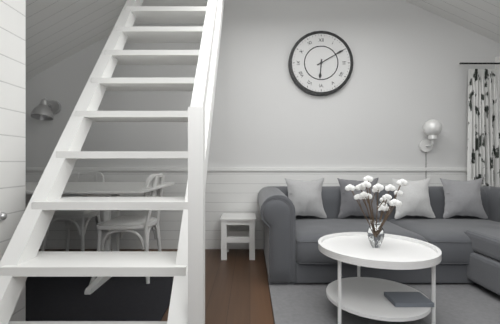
{"hour": 6, "minute": 10}
